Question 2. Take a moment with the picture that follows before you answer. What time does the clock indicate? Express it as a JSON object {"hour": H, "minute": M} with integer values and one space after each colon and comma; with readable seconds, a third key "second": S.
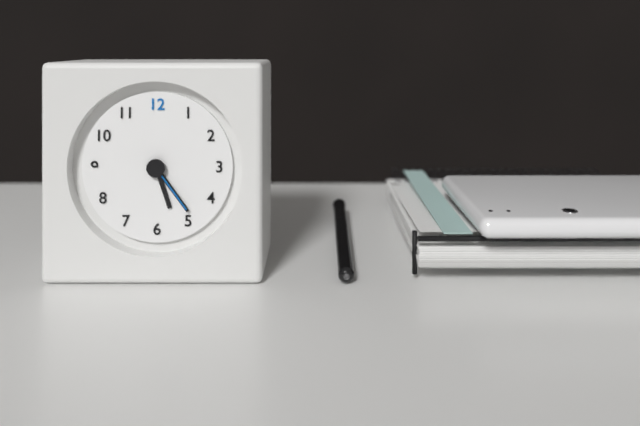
{"hour": 5, "minute": 24, "second": 24}
